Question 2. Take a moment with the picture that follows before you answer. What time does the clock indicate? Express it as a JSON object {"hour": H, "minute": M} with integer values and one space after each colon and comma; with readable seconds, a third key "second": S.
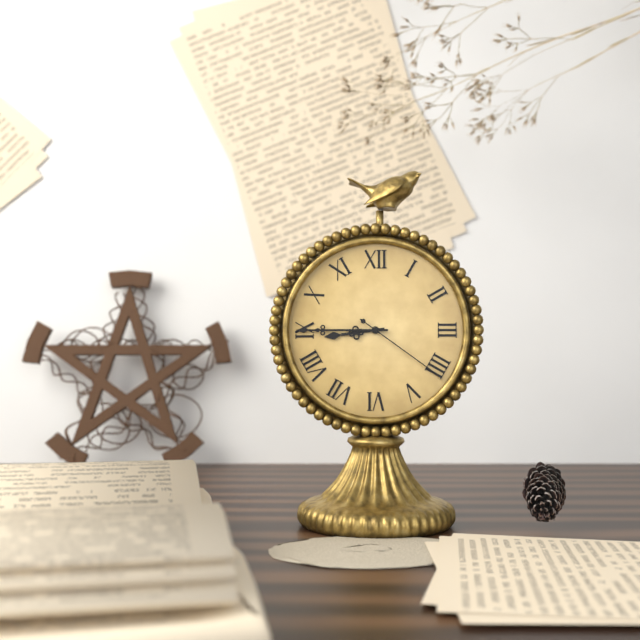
{"hour": 8, "minute": 45, "second": 21}
